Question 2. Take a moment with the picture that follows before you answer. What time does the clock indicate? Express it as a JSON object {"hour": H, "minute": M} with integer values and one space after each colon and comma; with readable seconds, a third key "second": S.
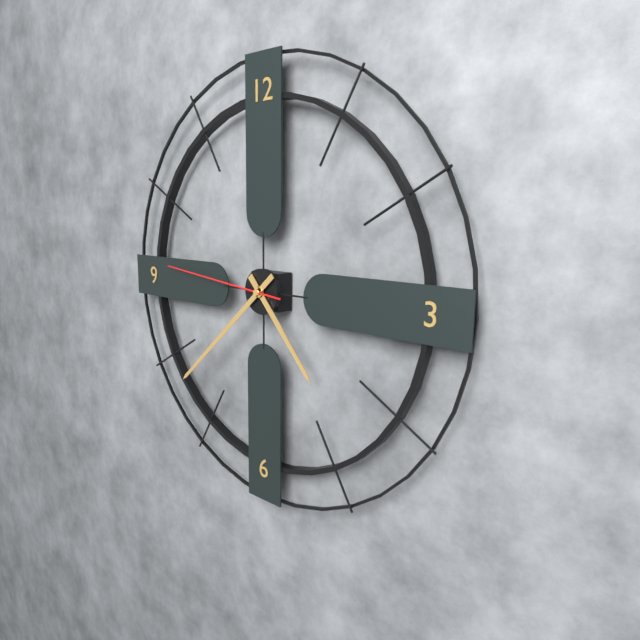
{"hour": 4, "minute": 38, "second": 46}
